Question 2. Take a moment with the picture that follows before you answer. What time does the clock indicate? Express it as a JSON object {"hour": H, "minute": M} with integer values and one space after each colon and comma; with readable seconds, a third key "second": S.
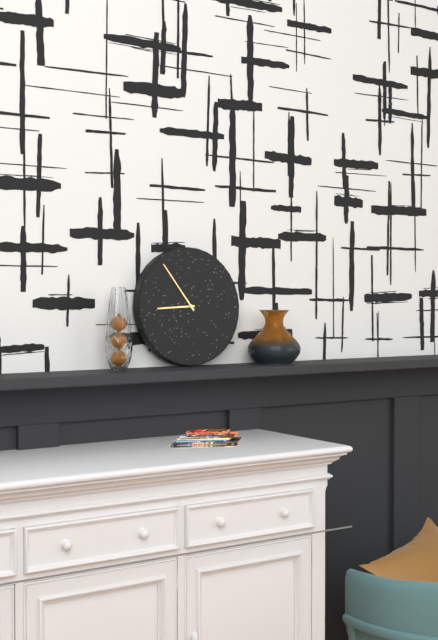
{"hour": 8, "minute": 54}
